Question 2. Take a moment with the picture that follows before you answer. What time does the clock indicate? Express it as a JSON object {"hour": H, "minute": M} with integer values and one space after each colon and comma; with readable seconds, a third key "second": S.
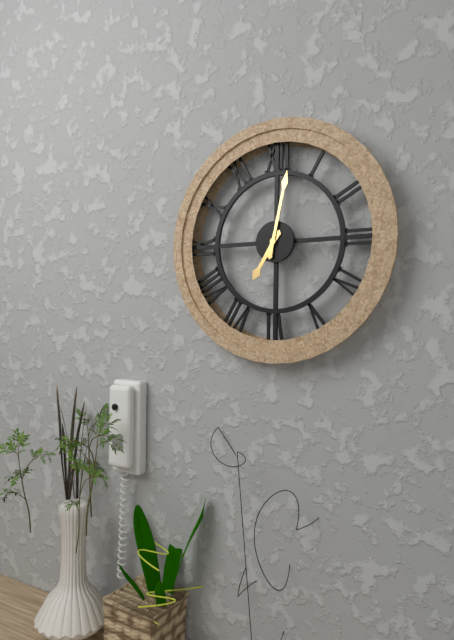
{"hour": 7, "minute": 2}
